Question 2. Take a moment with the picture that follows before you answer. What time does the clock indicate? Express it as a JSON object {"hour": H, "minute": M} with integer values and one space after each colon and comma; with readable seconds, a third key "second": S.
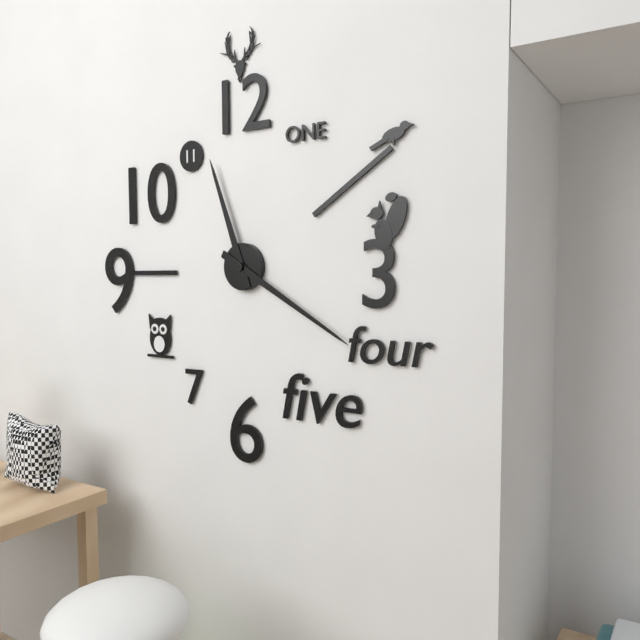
{"hour": 11, "minute": 20}
